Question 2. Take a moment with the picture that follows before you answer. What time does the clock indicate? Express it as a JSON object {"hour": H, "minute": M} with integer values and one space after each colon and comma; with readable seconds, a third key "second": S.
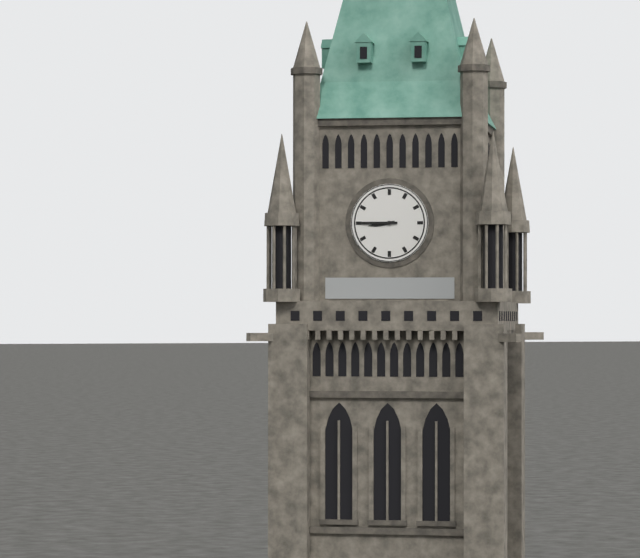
{"hour": 8, "minute": 45}
